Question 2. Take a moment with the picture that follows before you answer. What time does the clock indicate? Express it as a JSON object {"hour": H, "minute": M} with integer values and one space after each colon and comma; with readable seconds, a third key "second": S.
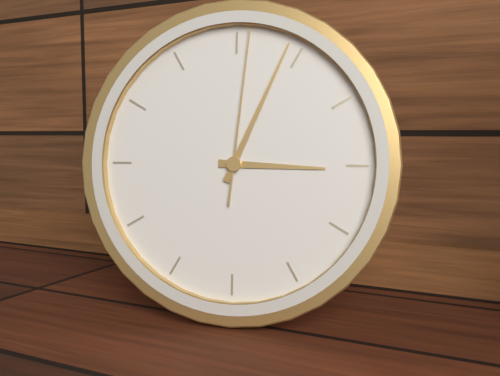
{"hour": 3, "minute": 4, "second": 1}
